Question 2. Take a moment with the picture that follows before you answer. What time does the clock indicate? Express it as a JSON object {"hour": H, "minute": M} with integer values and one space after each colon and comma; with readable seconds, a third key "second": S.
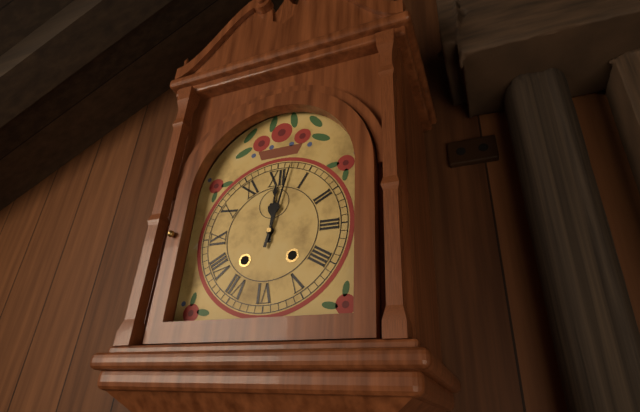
{"hour": 12, "minute": 2}
